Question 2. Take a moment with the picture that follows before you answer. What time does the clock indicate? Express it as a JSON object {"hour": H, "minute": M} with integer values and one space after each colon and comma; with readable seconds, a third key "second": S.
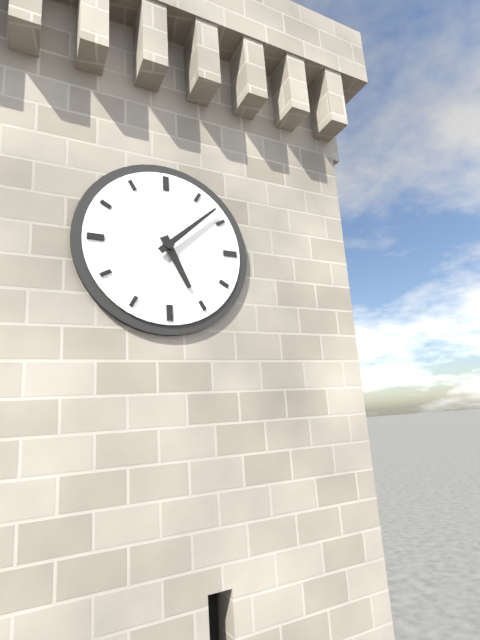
{"hour": 5, "minute": 8}
